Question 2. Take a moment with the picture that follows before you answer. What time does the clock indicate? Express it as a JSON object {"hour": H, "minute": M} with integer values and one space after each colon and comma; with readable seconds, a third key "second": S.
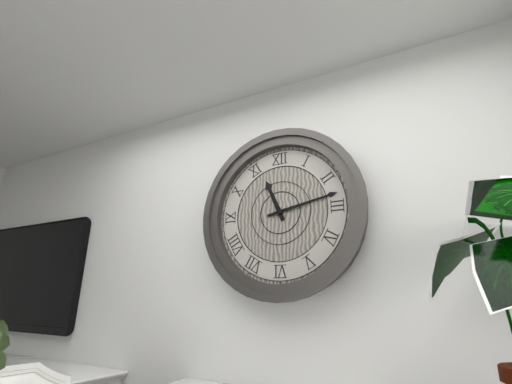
{"hour": 11, "minute": 13}
